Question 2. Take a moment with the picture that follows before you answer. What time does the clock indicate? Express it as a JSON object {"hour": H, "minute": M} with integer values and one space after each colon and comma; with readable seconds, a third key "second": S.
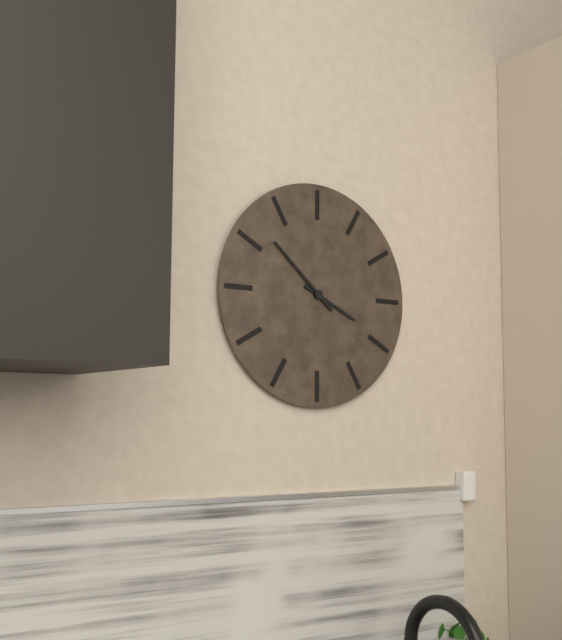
{"hour": 3, "minute": 52}
